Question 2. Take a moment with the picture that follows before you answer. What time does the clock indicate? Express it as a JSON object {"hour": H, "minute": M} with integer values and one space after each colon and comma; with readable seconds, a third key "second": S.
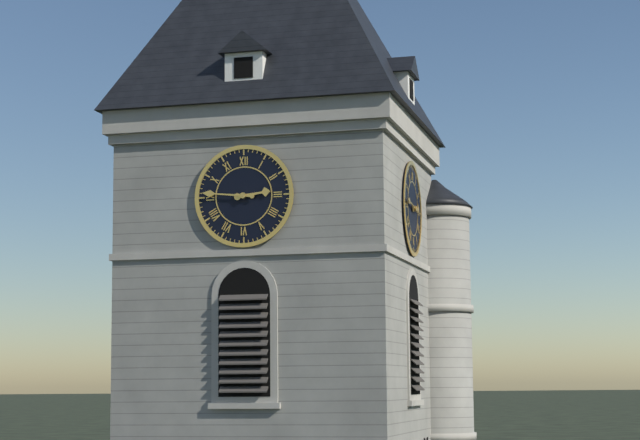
{"hour": 2, "minute": 46}
